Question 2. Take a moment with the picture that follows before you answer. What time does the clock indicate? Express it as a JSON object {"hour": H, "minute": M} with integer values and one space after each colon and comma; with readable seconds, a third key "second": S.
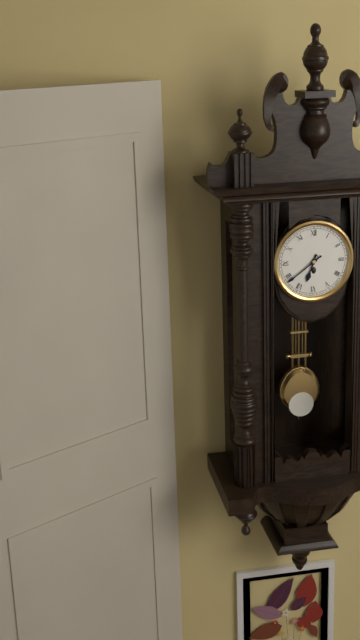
{"hour": 6, "minute": 39}
